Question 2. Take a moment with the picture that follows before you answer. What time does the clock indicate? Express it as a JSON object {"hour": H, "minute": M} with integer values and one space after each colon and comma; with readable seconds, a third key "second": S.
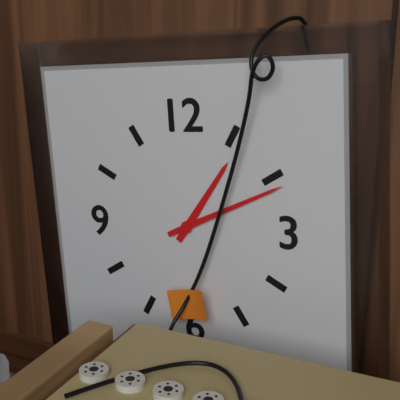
{"hour": 1, "minute": 11}
